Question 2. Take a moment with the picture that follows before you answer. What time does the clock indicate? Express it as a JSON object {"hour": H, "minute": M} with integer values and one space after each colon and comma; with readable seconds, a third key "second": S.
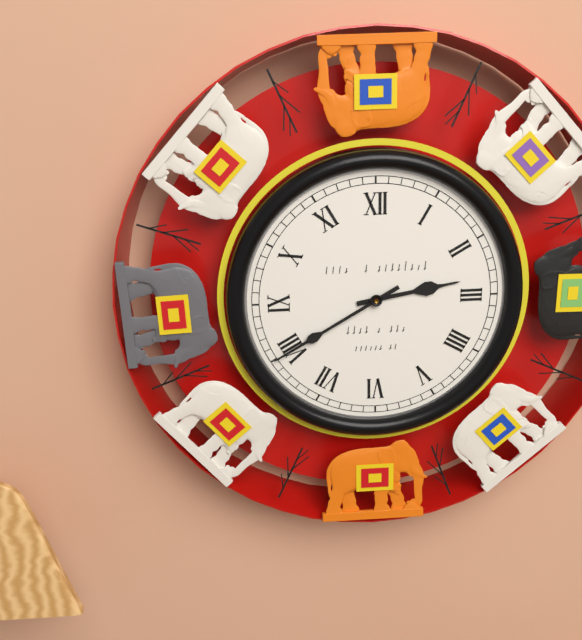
{"hour": 2, "minute": 40}
